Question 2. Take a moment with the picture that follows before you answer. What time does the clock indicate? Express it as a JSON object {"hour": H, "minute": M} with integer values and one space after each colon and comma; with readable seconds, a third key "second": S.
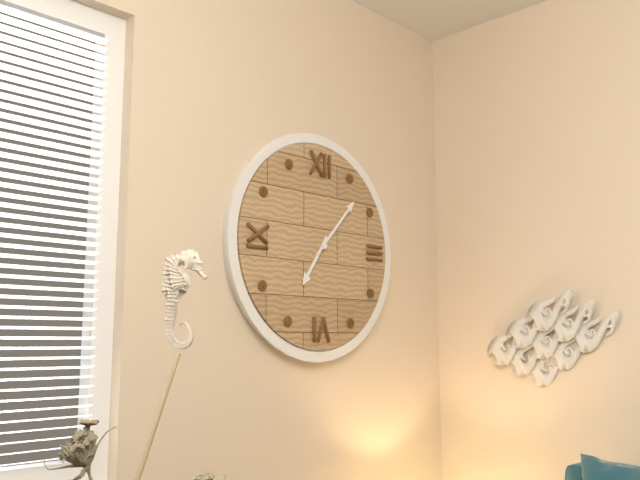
{"hour": 7, "minute": 7}
